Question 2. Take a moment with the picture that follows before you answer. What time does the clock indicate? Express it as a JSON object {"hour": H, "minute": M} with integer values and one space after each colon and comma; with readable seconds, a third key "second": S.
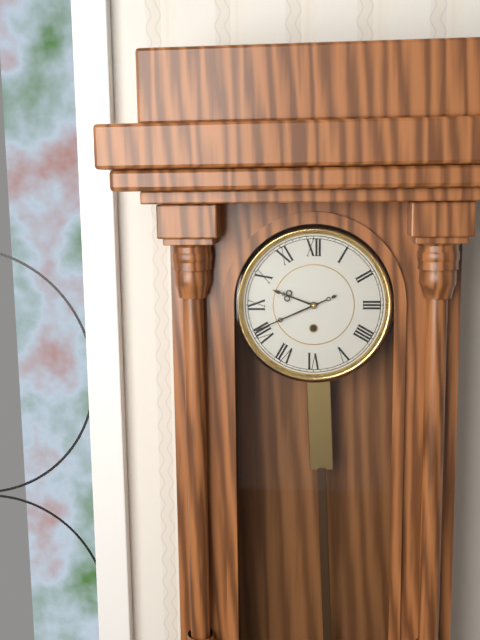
{"hour": 9, "minute": 41}
